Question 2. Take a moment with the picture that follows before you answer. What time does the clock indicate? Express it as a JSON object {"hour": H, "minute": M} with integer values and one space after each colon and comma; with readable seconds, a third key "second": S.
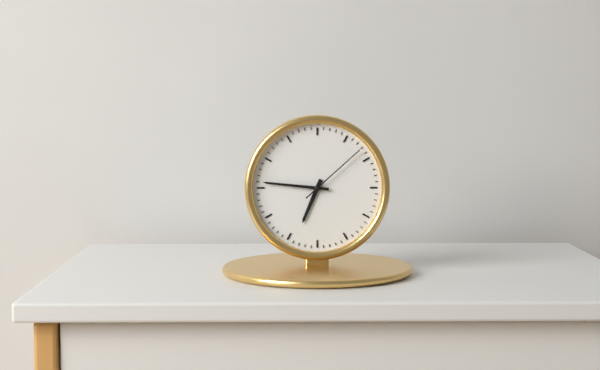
{"hour": 6, "minute": 46, "second": 8}
